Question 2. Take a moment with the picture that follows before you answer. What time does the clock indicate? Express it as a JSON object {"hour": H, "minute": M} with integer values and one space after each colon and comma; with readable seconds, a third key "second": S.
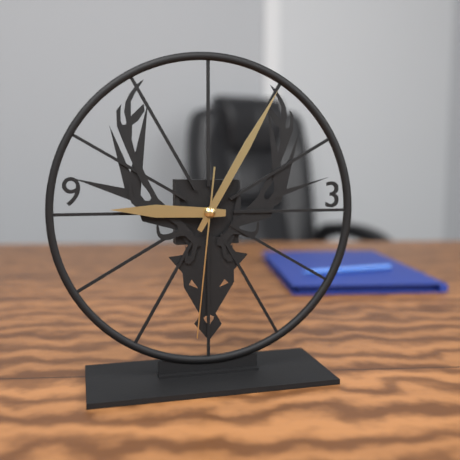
{"hour": 9, "minute": 5, "second": 31}
